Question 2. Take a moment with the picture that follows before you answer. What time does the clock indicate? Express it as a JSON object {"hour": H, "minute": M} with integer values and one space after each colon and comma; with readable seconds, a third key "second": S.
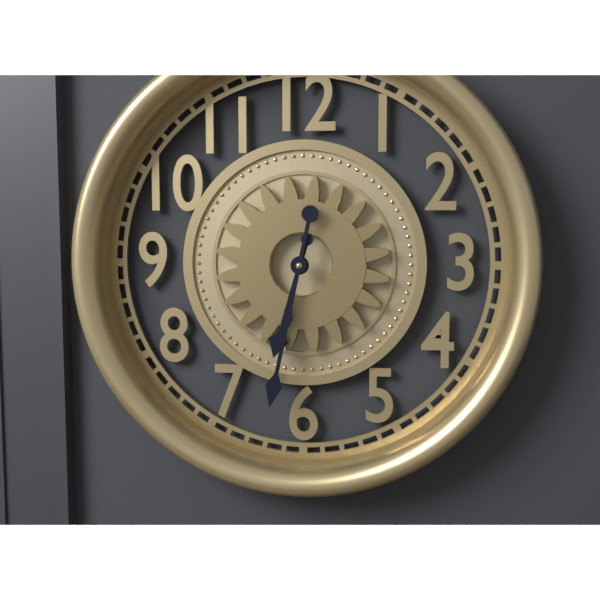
{"hour": 6, "minute": 32}
